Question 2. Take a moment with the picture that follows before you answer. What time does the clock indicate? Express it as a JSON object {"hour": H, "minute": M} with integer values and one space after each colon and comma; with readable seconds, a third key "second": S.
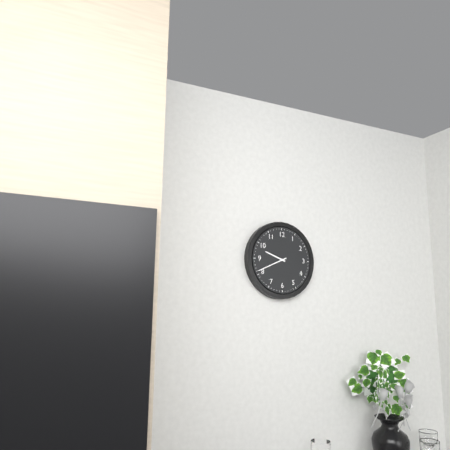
{"hour": 9, "minute": 41}
